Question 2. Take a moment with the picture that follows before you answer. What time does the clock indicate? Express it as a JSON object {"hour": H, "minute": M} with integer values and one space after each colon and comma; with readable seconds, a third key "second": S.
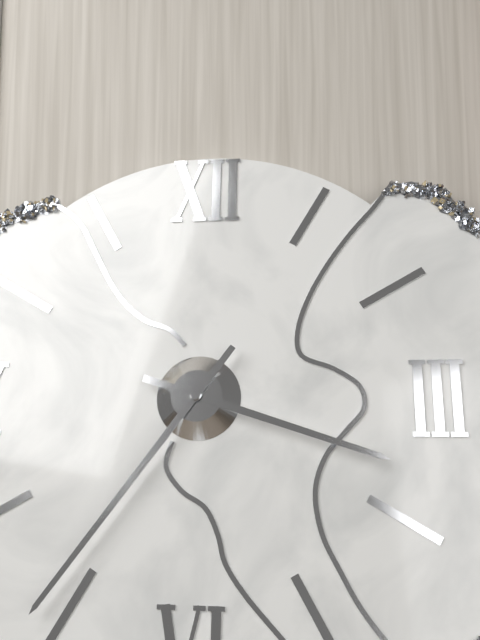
{"hour": 3, "minute": 36}
